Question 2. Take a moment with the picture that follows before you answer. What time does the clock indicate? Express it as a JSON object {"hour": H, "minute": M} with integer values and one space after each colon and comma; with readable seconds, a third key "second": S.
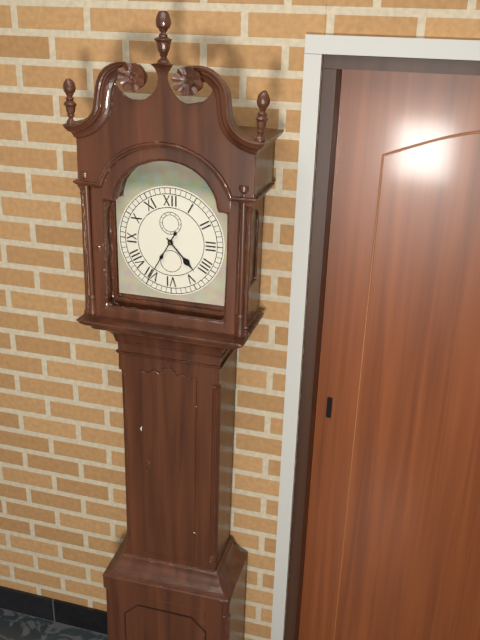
{"hour": 4, "minute": 35}
